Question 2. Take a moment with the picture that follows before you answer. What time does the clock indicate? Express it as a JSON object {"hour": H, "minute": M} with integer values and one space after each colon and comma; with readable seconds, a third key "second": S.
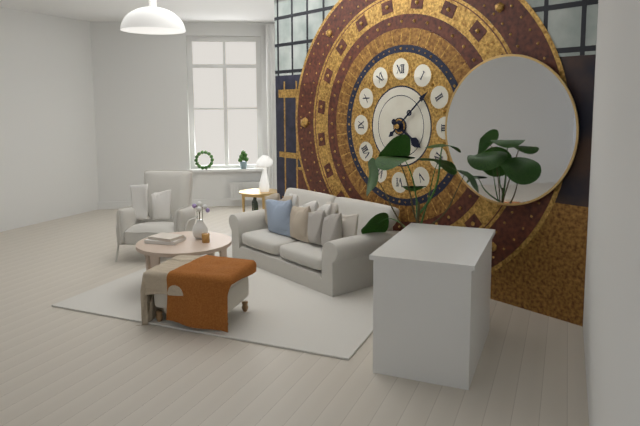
{"hour": 4, "minute": 8}
